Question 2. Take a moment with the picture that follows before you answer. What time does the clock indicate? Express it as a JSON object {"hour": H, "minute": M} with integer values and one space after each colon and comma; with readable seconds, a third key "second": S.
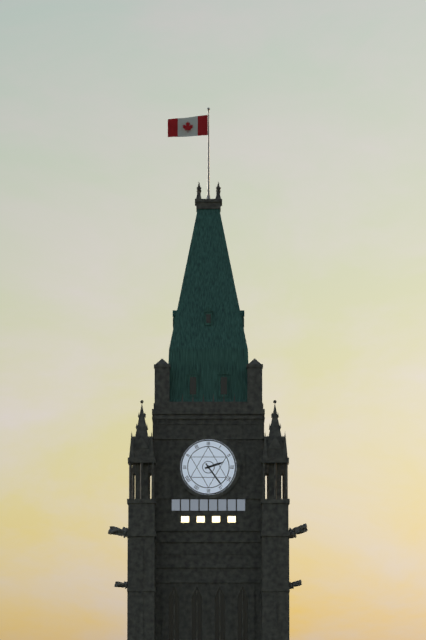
{"hour": 2, "minute": 24}
